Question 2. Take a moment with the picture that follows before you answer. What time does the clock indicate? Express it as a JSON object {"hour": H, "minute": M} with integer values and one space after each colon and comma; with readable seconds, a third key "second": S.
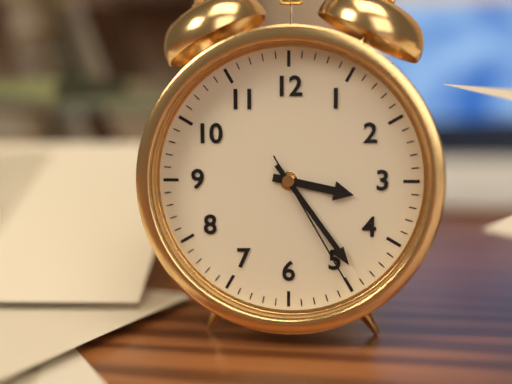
{"hour": 3, "minute": 24, "second": 25}
